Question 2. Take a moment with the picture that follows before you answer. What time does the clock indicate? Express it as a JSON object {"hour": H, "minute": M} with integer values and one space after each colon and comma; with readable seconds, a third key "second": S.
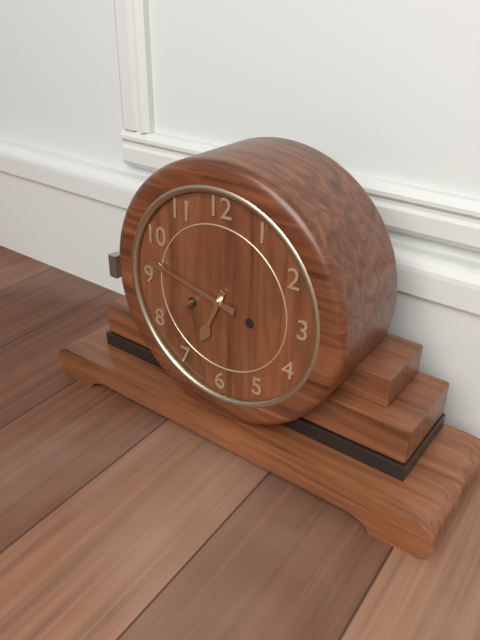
{"hour": 6, "minute": 47}
